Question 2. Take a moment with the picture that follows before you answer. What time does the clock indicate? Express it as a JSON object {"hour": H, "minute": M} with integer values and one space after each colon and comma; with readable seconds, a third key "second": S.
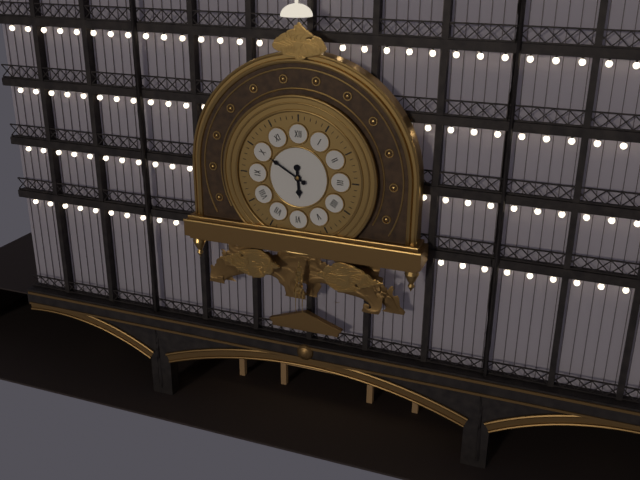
{"hour": 5, "minute": 50}
